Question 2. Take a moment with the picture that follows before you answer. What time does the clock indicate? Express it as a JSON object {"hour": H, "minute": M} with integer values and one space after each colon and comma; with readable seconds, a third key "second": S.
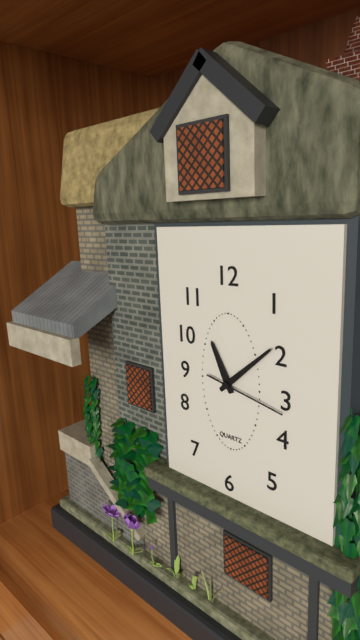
{"hour": 11, "minute": 8, "second": 17}
